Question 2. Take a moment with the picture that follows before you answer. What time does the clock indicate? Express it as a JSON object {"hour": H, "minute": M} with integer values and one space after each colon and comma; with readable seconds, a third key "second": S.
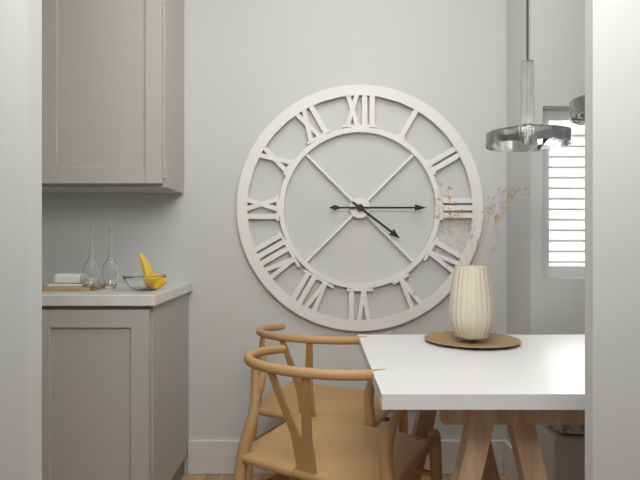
{"hour": 4, "minute": 15}
